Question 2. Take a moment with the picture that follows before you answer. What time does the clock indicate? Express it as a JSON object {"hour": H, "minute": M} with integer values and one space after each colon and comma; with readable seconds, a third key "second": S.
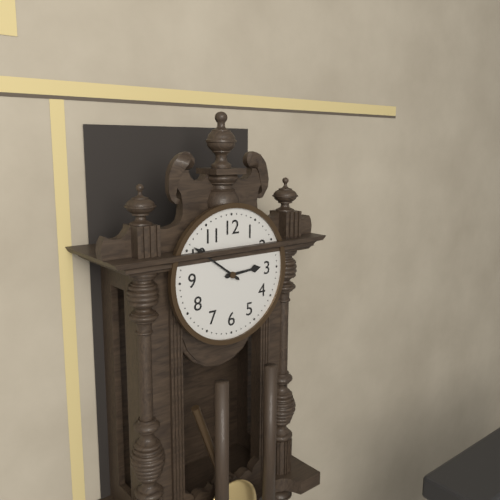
{"hour": 2, "minute": 51}
